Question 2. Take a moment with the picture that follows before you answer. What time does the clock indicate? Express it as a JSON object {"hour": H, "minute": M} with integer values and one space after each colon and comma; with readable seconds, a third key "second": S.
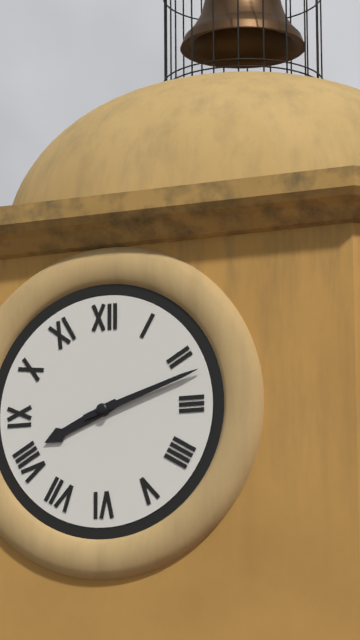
{"hour": 8, "minute": 12}
